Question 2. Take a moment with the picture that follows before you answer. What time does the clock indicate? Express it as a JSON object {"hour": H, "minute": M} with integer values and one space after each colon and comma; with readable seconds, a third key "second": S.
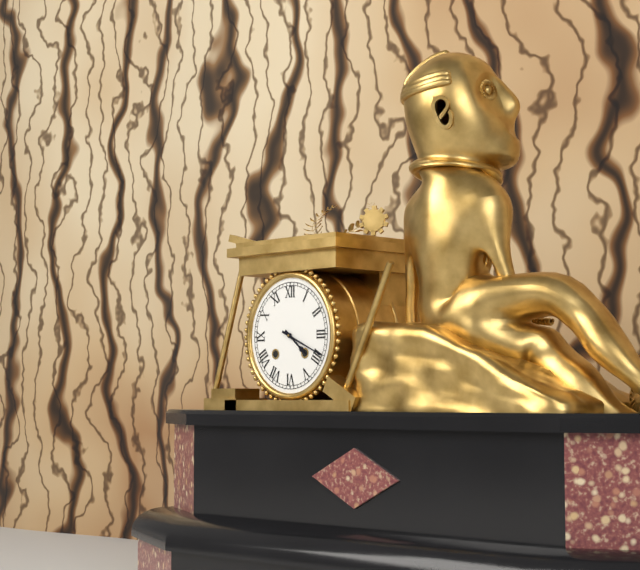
{"hour": 4, "minute": 19}
